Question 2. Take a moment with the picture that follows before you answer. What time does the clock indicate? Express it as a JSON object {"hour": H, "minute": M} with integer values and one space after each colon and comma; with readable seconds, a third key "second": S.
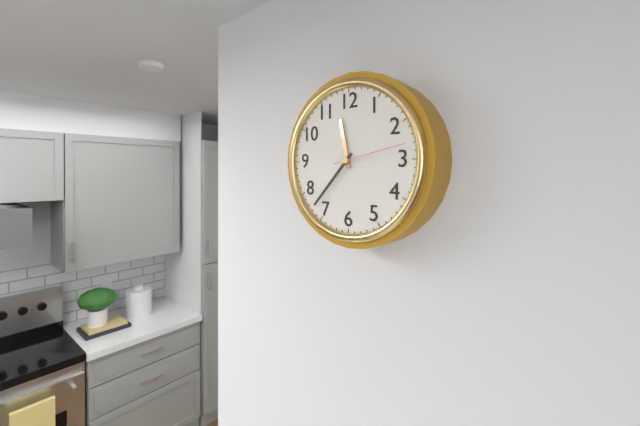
{"hour": 11, "minute": 37, "second": 13}
